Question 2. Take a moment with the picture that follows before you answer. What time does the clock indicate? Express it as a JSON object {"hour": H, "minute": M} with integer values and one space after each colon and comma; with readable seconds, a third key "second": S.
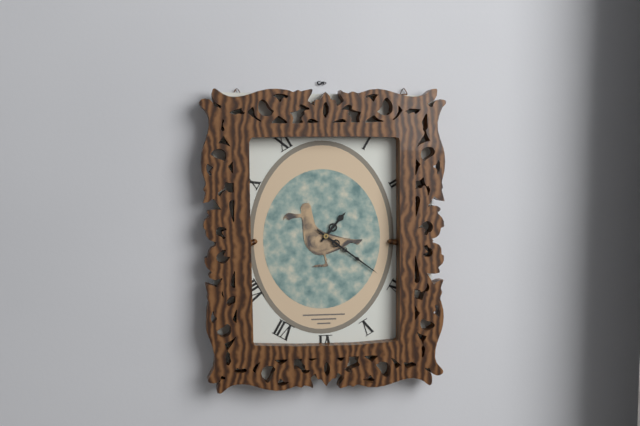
{"hour": 1, "minute": 21}
